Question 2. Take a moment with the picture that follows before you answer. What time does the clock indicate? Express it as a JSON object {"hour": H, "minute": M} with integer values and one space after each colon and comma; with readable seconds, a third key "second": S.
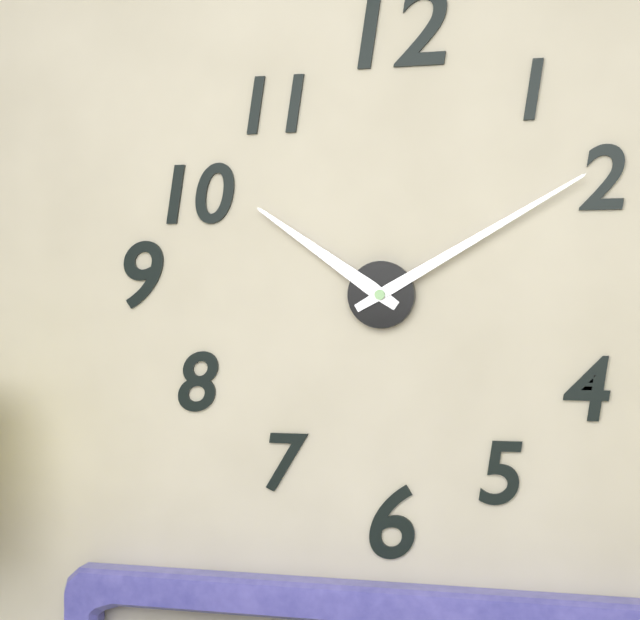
{"hour": 10, "minute": 10}
